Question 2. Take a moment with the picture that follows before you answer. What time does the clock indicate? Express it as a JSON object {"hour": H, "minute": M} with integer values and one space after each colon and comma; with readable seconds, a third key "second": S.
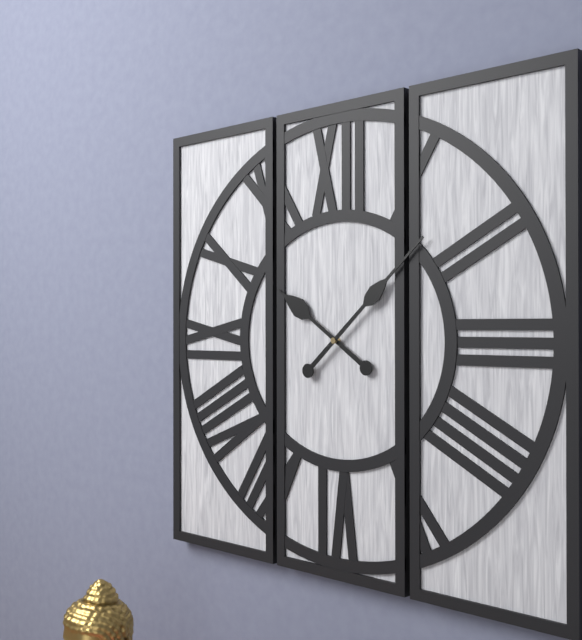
{"hour": 10, "minute": 8}
